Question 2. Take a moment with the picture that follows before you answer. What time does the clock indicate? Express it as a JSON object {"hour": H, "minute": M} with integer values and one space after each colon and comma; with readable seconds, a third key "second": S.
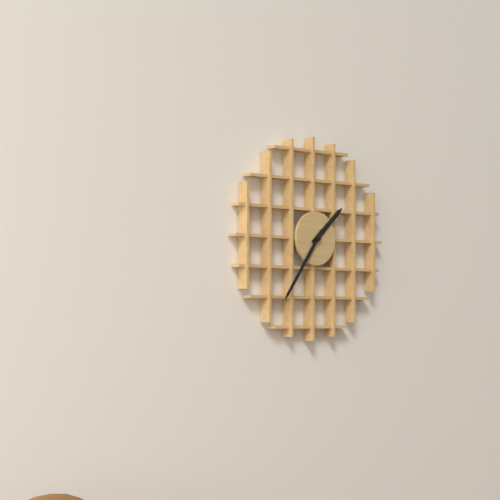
{"hour": 1, "minute": 36}
